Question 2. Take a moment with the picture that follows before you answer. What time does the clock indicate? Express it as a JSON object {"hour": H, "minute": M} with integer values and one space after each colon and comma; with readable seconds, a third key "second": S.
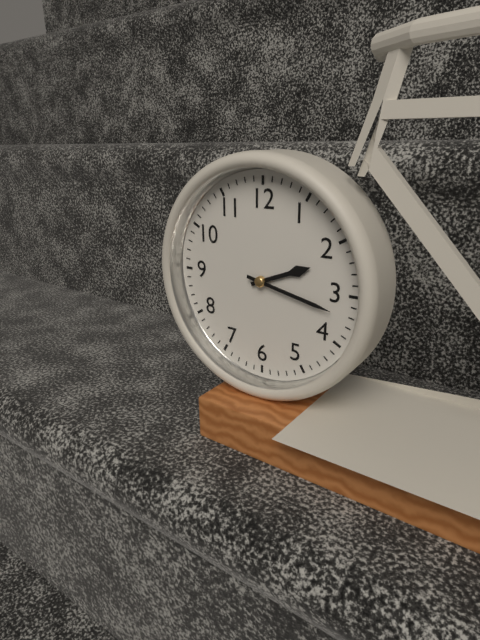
{"hour": 2, "minute": 17}
